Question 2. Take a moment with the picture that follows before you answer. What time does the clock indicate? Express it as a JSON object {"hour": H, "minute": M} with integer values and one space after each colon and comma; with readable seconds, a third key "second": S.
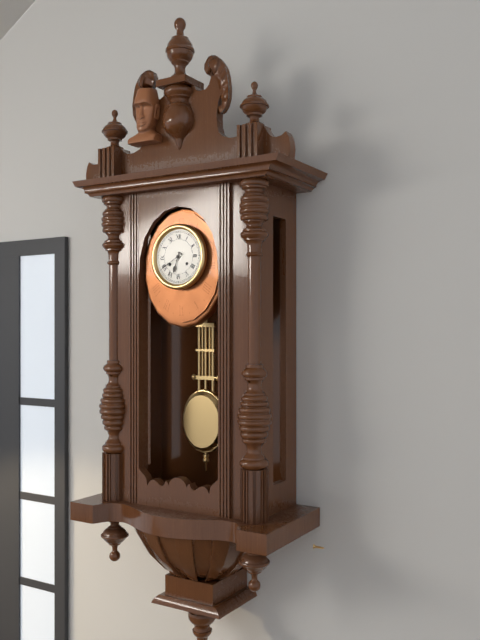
{"hour": 6, "minute": 40}
